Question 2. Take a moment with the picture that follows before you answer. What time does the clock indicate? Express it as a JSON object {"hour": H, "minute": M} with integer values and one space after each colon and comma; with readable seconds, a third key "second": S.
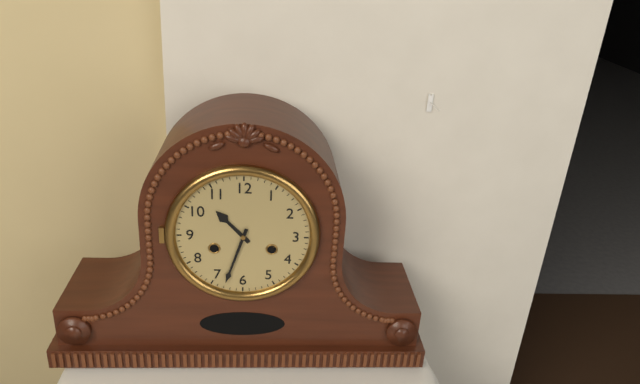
{"hour": 10, "minute": 33}
